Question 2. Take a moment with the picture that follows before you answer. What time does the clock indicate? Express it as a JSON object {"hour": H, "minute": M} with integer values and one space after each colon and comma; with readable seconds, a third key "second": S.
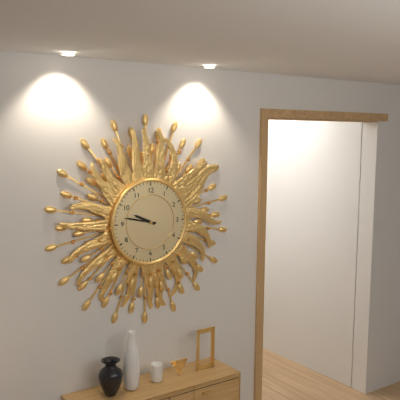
{"hour": 9, "minute": 47}
